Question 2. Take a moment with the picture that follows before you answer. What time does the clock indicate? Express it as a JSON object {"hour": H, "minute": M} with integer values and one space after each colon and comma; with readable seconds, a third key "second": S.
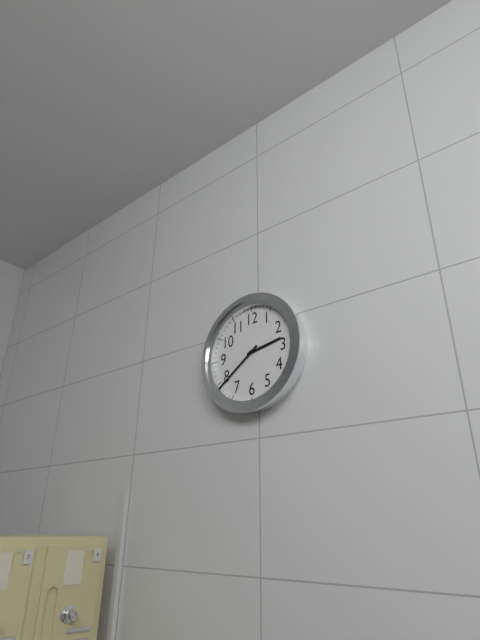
{"hour": 2, "minute": 39}
